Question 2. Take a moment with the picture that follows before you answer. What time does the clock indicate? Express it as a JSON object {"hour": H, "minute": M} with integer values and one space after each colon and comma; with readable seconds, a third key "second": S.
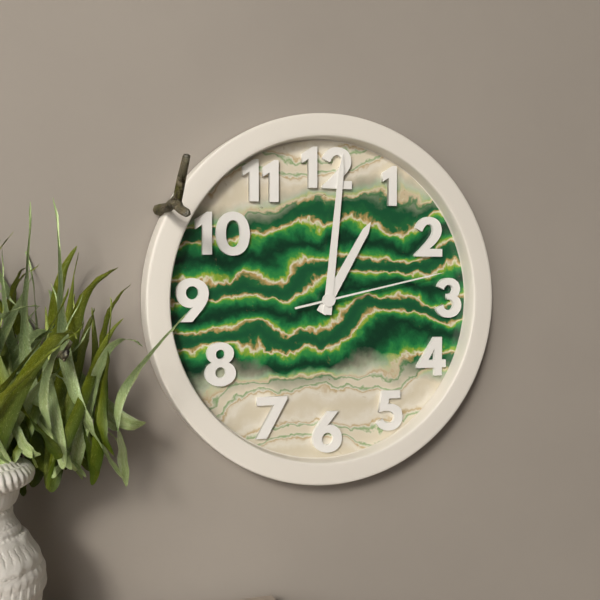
{"hour": 1, "minute": 1, "second": 13}
